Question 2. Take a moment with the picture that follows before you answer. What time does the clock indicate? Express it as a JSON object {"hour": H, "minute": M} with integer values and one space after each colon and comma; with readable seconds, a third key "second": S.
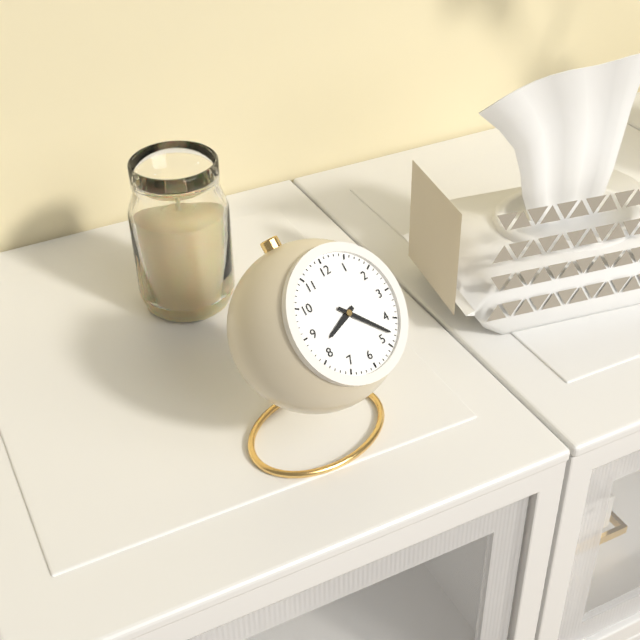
{"hour": 8, "minute": 23}
